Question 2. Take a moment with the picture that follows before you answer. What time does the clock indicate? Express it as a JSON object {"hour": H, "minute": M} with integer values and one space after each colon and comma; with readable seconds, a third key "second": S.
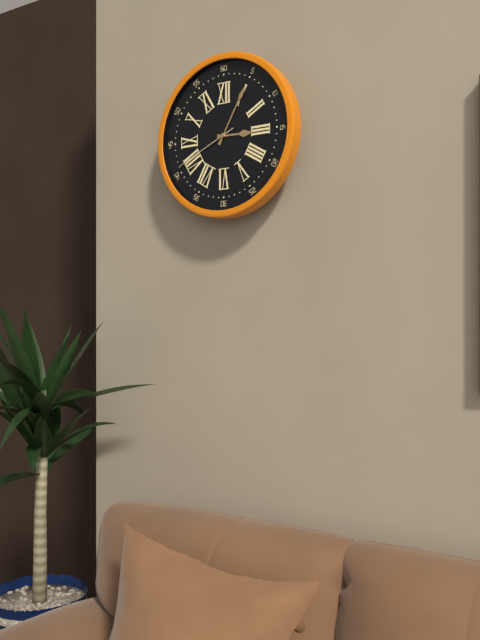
{"hour": 3, "minute": 5, "second": 41}
